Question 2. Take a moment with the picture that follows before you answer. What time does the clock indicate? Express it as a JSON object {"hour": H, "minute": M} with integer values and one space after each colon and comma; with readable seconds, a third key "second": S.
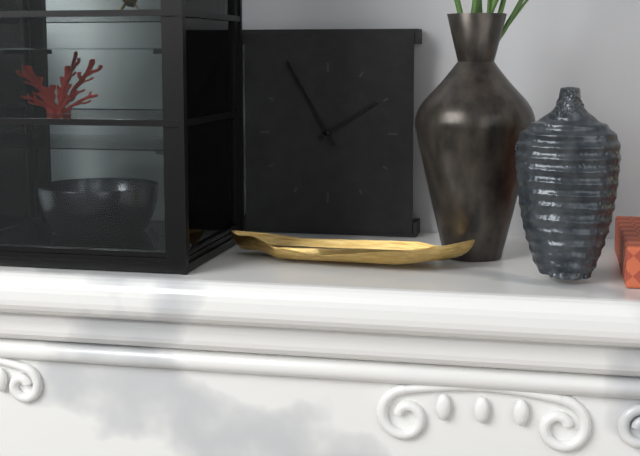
{"hour": 1, "minute": 55}
